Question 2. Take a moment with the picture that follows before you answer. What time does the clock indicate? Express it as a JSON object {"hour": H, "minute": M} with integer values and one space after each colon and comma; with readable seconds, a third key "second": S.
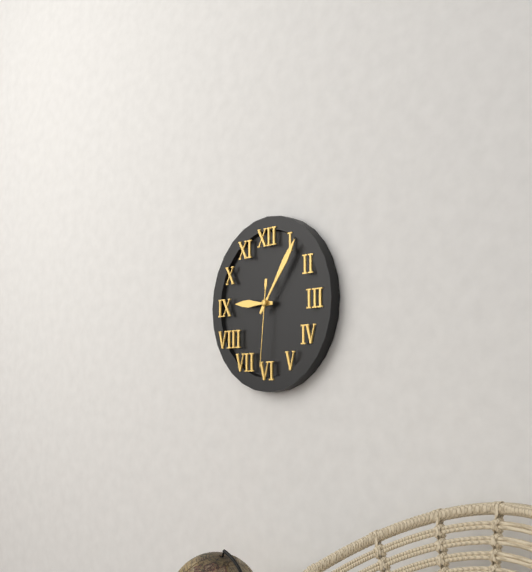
{"hour": 9, "minute": 6, "second": 31}
